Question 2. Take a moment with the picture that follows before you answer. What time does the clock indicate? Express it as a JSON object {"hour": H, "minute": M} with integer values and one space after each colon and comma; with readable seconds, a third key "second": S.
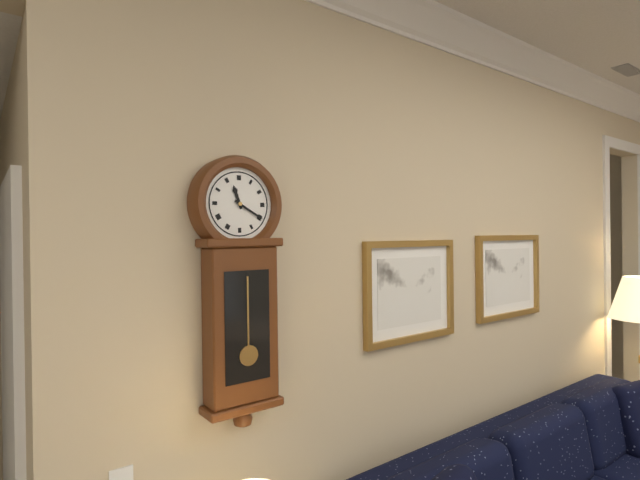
{"hour": 11, "minute": 20}
